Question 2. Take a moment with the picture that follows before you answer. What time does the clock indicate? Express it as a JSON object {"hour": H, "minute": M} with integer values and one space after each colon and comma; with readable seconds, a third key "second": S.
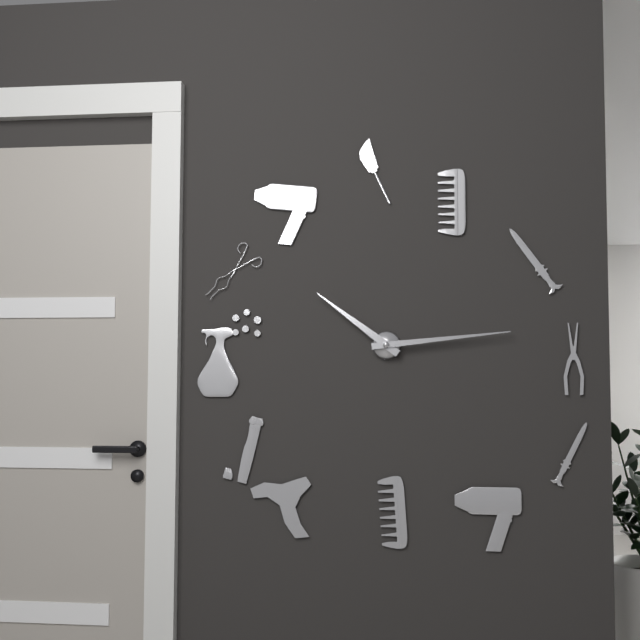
{"hour": 10, "minute": 14}
